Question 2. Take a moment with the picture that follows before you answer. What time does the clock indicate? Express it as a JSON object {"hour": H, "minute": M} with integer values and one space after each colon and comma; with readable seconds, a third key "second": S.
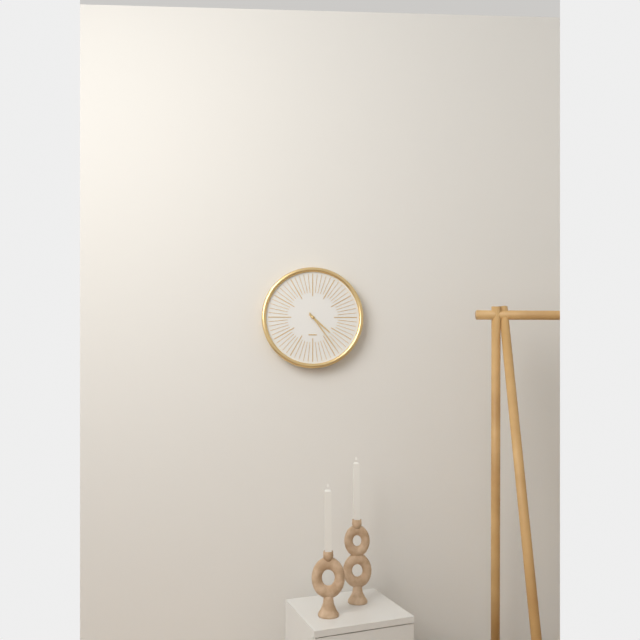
{"hour": 4, "minute": 24}
